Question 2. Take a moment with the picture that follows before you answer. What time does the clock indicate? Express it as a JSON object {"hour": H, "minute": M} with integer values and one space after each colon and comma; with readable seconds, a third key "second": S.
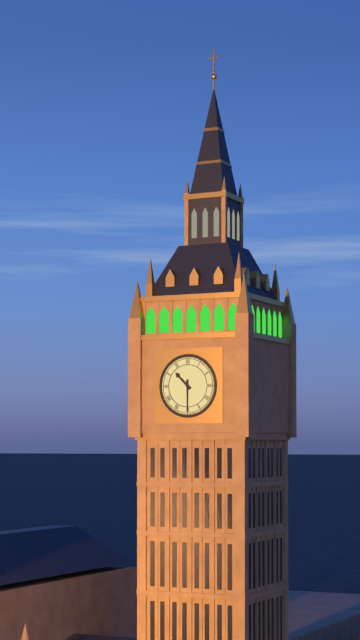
{"hour": 10, "minute": 30}
